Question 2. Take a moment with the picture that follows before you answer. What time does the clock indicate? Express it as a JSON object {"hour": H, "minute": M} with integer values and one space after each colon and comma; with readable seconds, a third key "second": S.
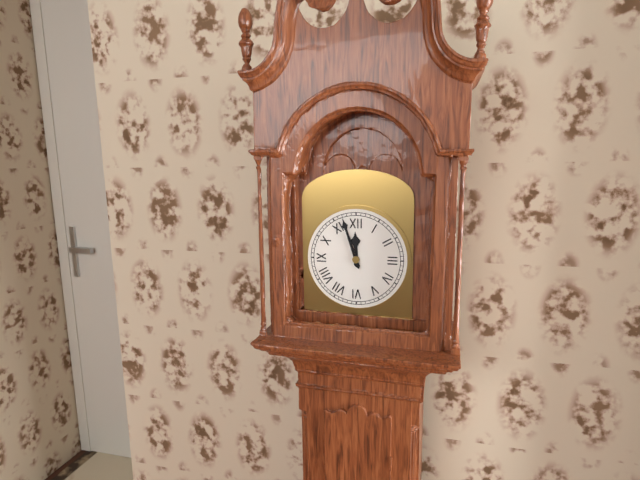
{"hour": 11, "minute": 57}
